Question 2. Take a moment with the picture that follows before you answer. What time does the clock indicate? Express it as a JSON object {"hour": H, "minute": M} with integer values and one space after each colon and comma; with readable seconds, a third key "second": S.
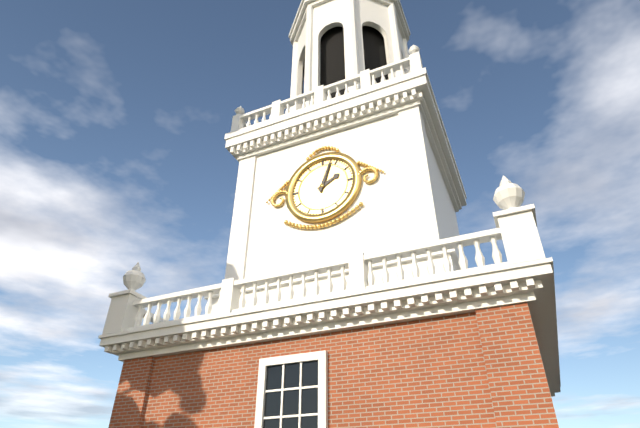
{"hour": 2, "minute": 3}
